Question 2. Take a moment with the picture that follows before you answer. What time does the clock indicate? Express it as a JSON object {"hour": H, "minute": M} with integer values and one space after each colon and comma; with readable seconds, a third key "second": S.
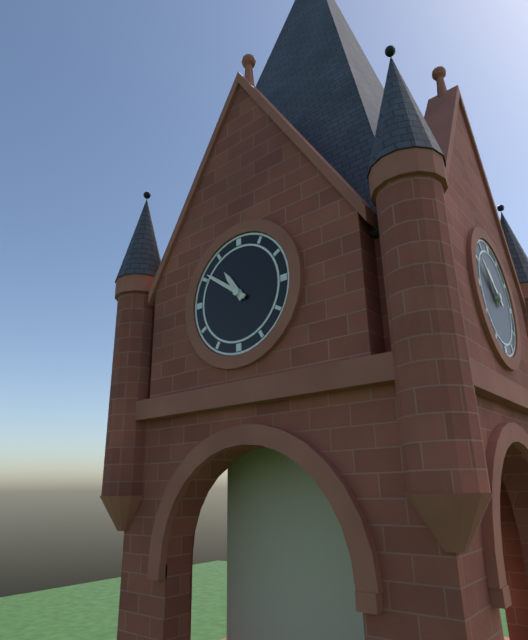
{"hour": 10, "minute": 51}
